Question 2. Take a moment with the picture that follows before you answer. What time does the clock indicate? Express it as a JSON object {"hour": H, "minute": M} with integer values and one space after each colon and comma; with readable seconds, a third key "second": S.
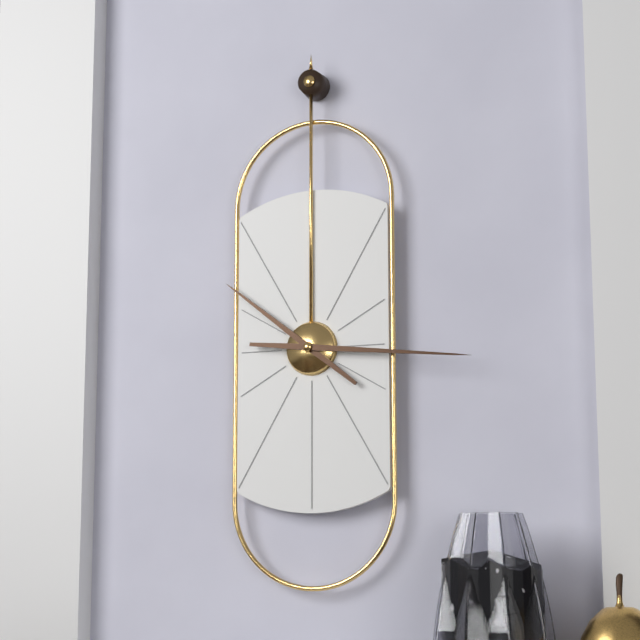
{"hour": 10, "minute": 16}
